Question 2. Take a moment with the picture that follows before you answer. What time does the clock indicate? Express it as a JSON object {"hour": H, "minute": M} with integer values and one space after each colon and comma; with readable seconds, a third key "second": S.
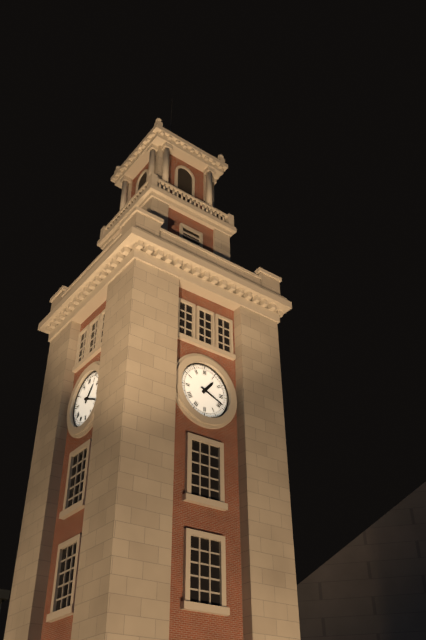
{"hour": 1, "minute": 19}
